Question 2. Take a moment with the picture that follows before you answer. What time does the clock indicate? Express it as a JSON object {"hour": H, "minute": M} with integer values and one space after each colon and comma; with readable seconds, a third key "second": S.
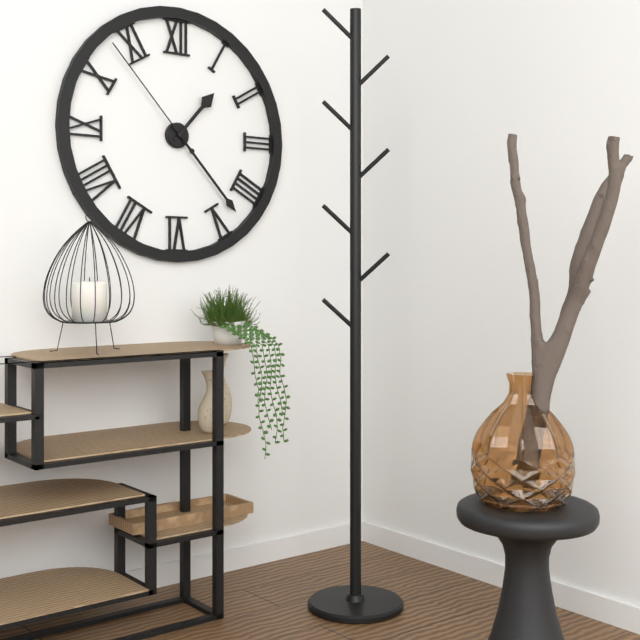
{"hour": 1, "minute": 23, "second": 53}
